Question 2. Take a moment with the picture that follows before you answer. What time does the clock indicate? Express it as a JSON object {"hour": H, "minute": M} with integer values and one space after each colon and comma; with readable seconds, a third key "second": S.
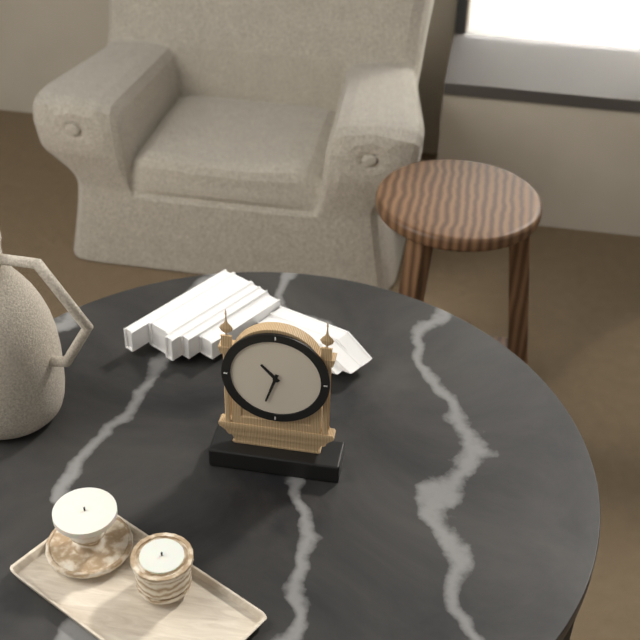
{"hour": 10, "minute": 33}
